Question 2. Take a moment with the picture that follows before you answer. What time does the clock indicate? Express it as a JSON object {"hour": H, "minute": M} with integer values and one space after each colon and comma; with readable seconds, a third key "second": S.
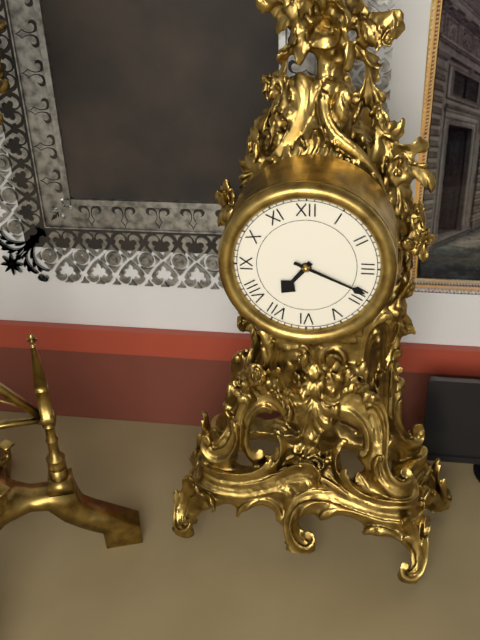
{"hour": 7, "minute": 19}
